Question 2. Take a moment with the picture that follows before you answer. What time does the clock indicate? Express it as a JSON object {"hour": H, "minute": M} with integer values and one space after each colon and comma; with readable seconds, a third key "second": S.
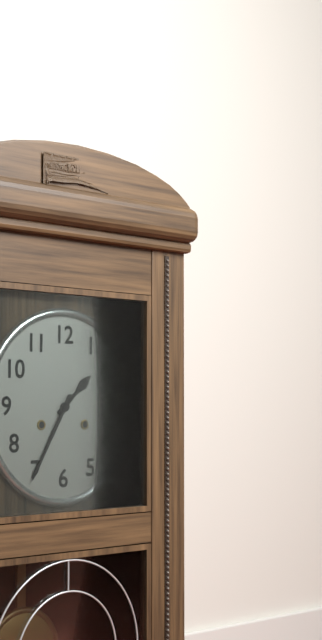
{"hour": 1, "minute": 35}
